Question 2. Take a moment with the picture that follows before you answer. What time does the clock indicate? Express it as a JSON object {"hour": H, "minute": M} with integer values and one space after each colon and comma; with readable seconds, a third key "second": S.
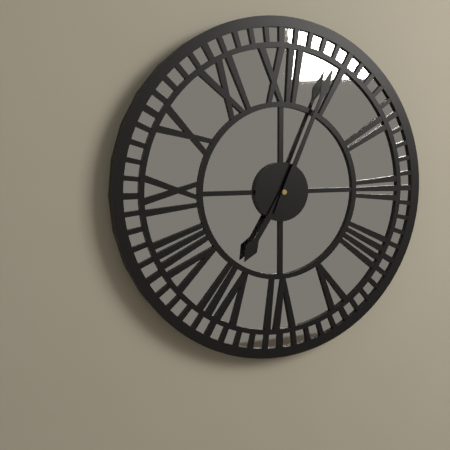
{"hour": 7, "minute": 4}
